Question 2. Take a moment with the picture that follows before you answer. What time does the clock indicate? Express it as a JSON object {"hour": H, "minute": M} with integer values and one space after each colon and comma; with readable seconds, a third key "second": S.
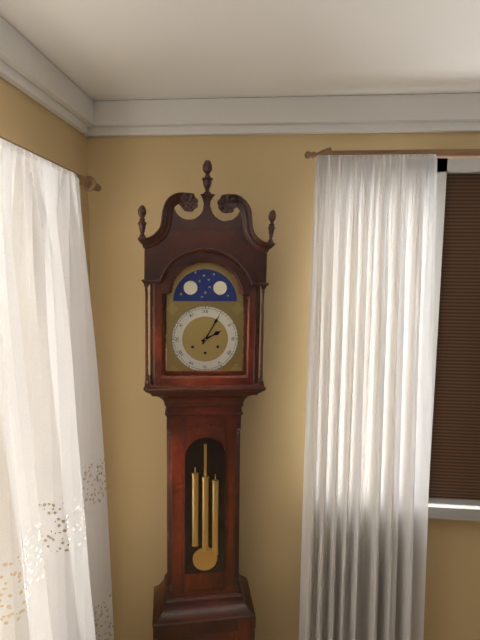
{"hour": 2, "minute": 5}
